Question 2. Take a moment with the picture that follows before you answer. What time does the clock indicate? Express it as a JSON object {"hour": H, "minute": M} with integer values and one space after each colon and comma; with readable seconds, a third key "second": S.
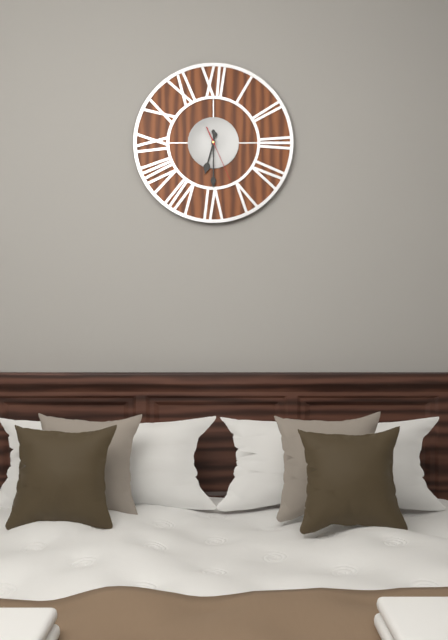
{"hour": 6, "minute": 30, "second": 26}
